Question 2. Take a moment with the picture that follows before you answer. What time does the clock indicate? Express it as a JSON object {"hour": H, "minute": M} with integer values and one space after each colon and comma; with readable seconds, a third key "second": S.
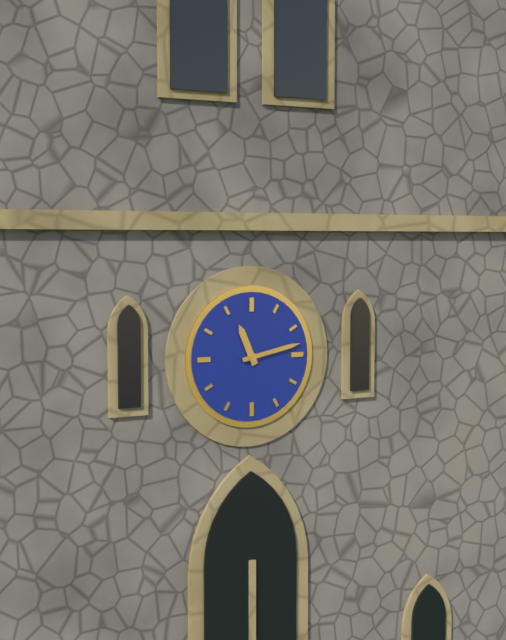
{"hour": 11, "minute": 13}
